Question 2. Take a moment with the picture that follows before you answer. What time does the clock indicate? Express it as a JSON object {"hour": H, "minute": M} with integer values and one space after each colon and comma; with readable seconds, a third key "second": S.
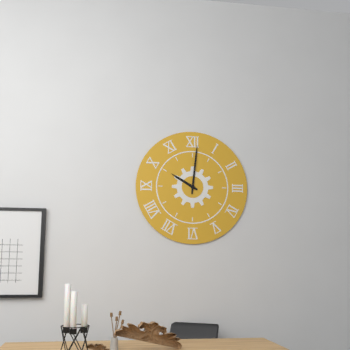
{"hour": 10, "minute": 1}
